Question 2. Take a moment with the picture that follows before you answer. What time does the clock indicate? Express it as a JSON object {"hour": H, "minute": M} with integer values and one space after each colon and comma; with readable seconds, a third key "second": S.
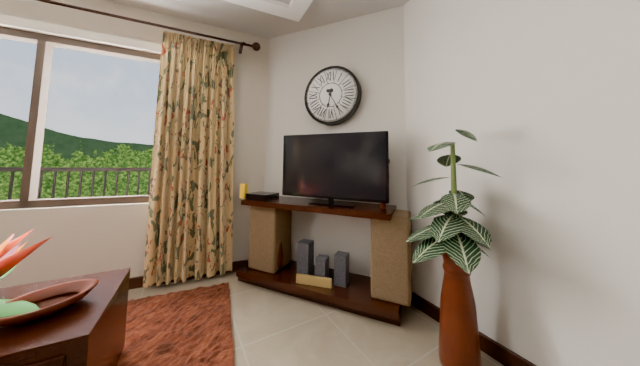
{"hour": 6, "minute": 25}
